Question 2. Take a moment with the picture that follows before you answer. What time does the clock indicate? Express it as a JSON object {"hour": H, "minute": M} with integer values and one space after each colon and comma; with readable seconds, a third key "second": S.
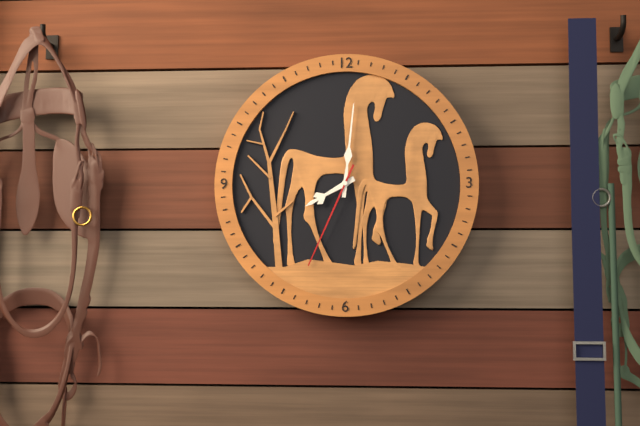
{"hour": 8, "minute": 1, "second": 34}
